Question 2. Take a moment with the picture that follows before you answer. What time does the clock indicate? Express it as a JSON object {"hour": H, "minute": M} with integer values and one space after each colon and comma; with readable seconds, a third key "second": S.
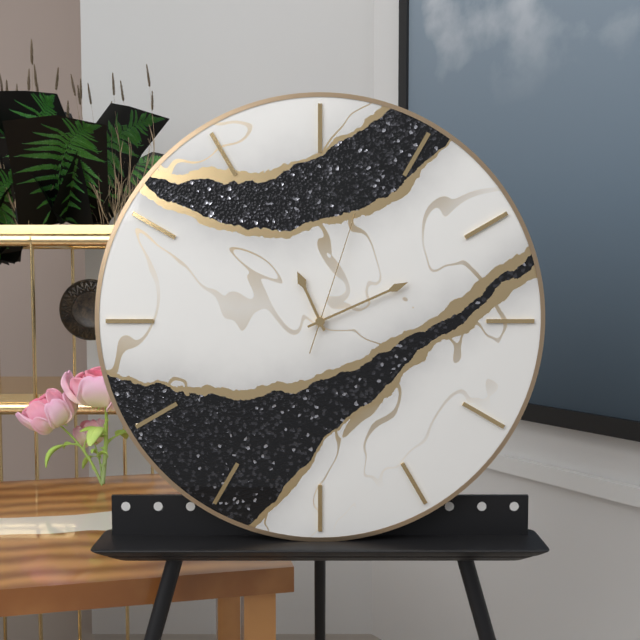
{"hour": 11, "minute": 11, "second": 3}
